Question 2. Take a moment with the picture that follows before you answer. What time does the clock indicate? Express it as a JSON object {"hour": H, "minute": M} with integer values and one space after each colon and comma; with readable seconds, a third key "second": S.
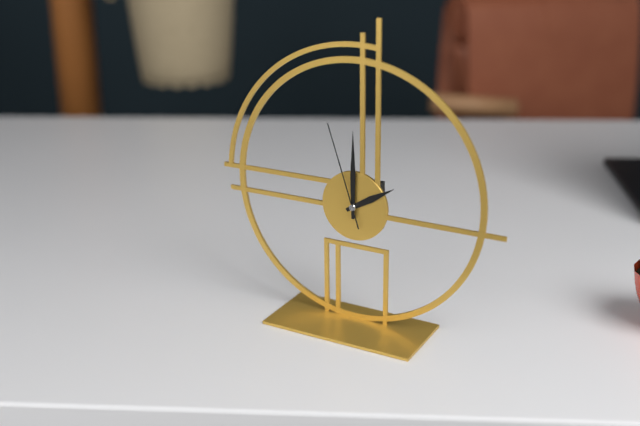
{"hour": 2, "minute": 0, "second": 57}
